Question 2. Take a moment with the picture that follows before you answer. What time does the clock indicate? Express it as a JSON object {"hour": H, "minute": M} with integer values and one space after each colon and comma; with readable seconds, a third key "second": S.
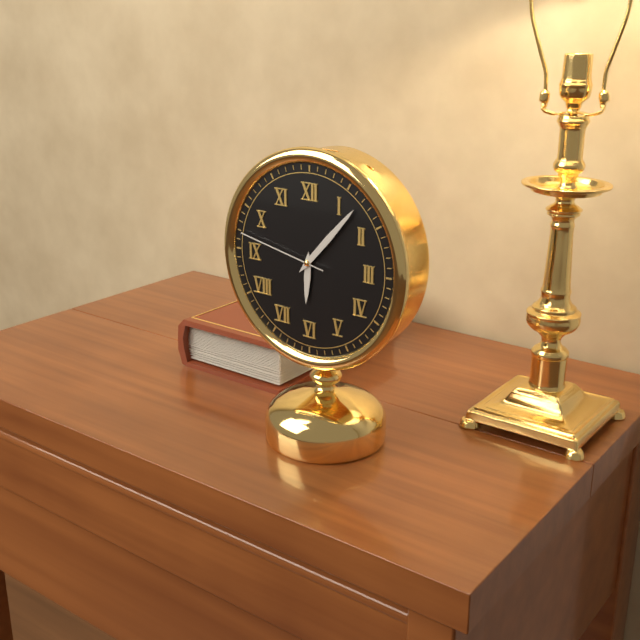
{"hour": 6, "minute": 7, "second": 47}
